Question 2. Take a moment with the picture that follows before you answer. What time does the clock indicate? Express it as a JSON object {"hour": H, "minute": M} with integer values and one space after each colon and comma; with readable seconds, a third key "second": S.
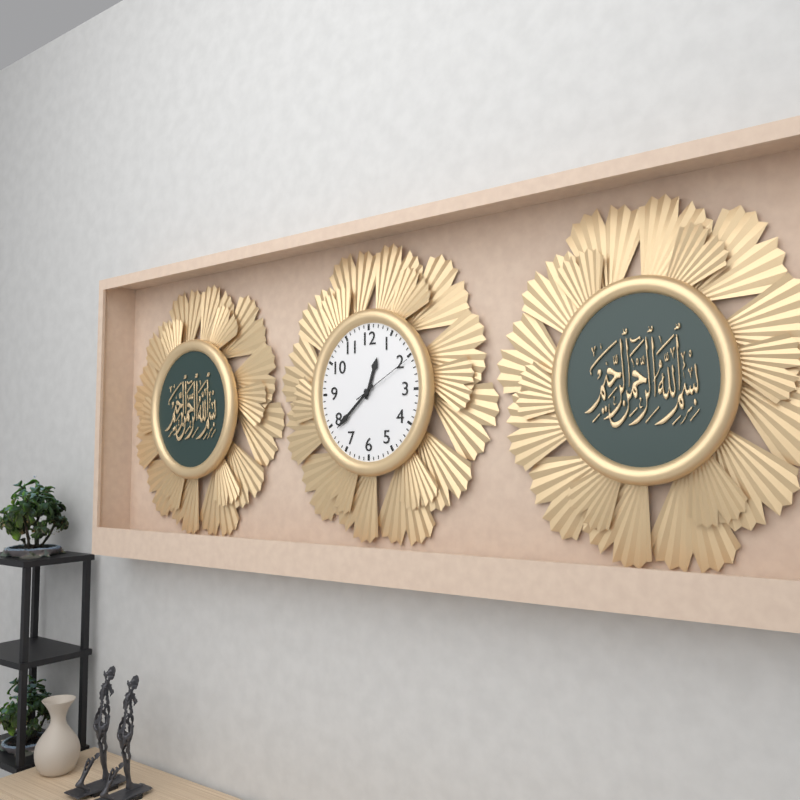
{"hour": 12, "minute": 38, "second": 10}
